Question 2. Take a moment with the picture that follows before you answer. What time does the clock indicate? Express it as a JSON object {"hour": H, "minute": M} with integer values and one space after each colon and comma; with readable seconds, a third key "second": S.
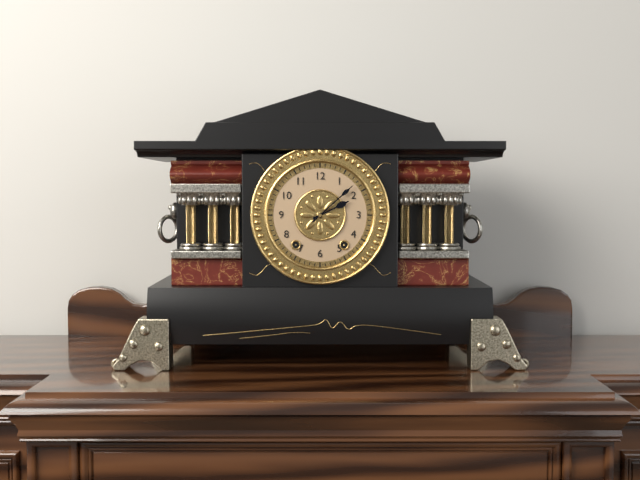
{"hour": 2, "minute": 8}
